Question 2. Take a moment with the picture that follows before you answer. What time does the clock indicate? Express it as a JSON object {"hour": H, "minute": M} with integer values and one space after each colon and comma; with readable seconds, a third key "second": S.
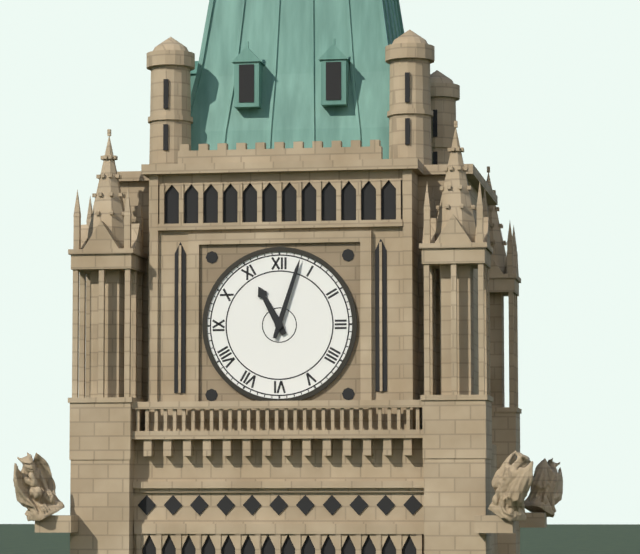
{"hour": 11, "minute": 3}
